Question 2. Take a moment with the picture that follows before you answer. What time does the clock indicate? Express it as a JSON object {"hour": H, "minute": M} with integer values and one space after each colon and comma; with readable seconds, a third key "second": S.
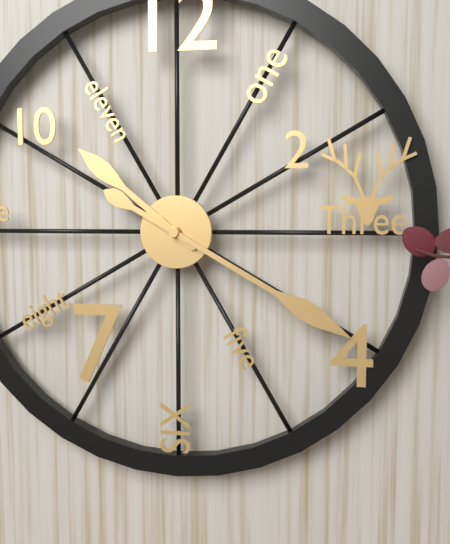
{"hour": 10, "minute": 20}
